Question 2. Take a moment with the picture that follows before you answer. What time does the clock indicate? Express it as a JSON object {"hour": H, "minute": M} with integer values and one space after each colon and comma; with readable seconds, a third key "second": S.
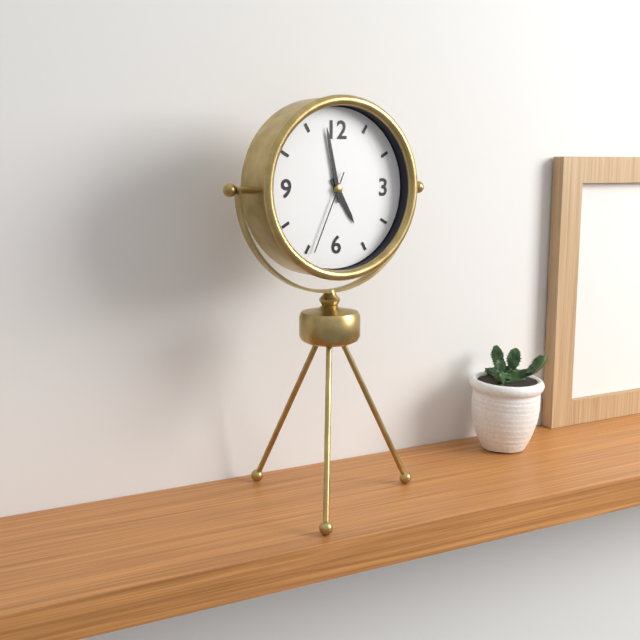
{"hour": 4, "minute": 58, "second": 34}
